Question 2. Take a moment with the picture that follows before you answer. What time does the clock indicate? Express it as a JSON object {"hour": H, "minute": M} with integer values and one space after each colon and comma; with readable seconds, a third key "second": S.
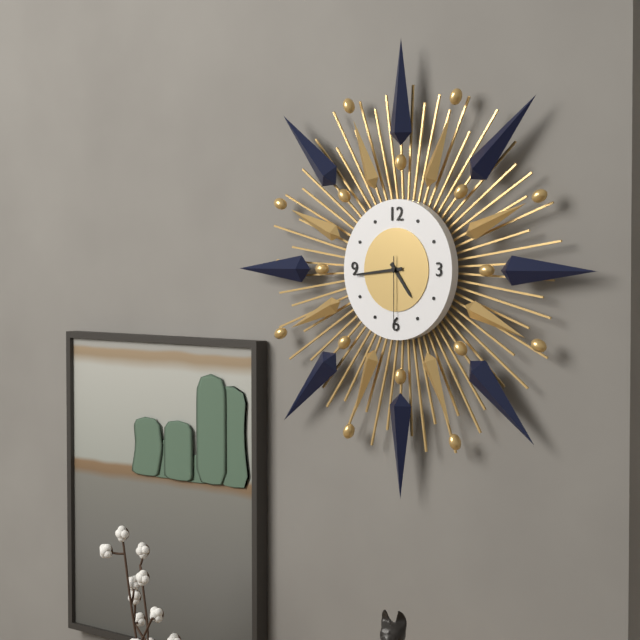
{"hour": 4, "minute": 44, "second": 30}
